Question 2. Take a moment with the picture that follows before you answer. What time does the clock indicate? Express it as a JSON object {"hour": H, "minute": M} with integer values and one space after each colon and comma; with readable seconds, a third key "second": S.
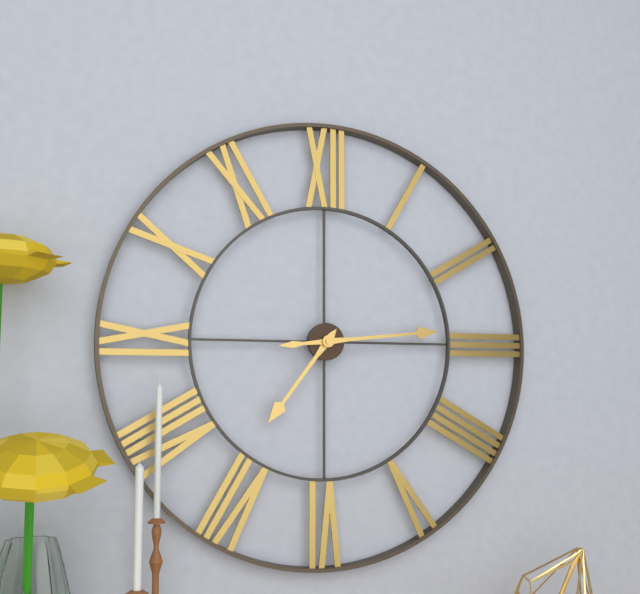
{"hour": 7, "minute": 14}
